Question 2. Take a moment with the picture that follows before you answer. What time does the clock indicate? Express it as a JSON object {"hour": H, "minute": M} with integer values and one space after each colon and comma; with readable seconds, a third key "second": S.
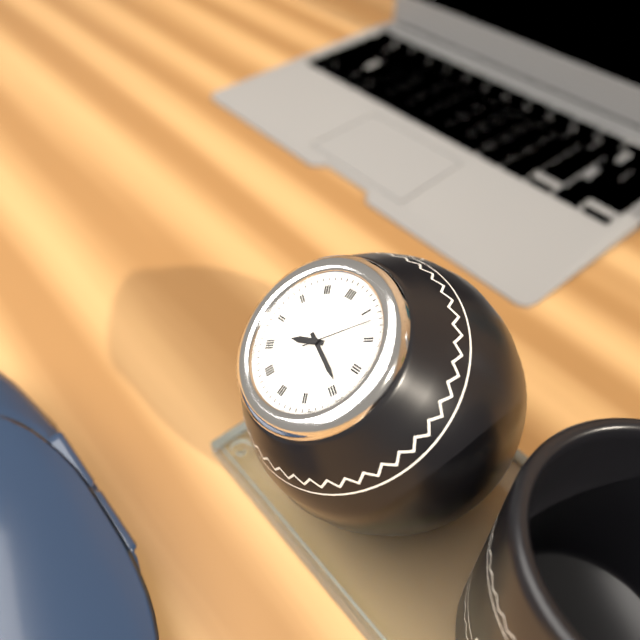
{"hour": 8, "minute": 19, "second": 7}
